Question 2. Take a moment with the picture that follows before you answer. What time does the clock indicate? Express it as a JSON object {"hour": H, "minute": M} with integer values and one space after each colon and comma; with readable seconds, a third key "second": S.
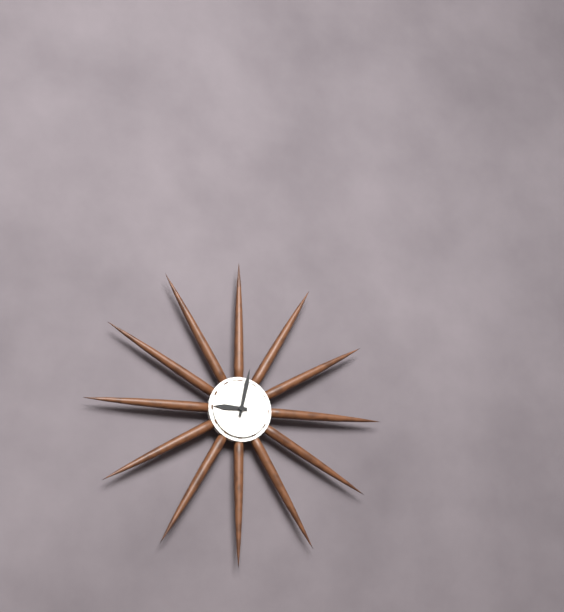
{"hour": 9, "minute": 2}
